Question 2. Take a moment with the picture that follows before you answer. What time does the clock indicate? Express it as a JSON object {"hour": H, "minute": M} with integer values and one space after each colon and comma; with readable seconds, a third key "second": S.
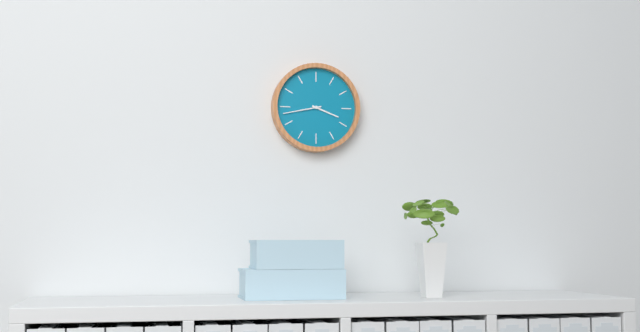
{"hour": 3, "minute": 43}
